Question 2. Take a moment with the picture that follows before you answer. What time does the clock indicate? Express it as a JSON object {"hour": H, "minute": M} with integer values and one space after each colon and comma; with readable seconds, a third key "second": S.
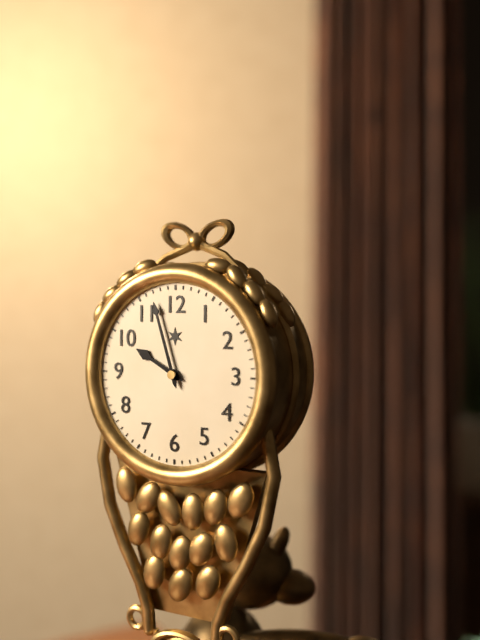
{"hour": 9, "minute": 57}
